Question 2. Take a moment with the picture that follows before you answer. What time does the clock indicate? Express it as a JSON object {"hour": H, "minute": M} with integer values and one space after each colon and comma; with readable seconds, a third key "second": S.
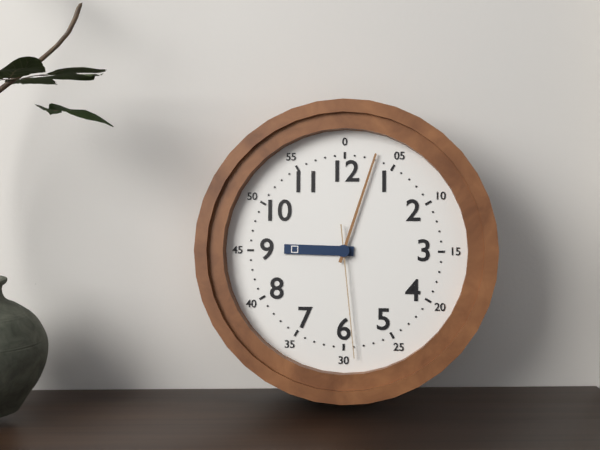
{"hour": 9, "minute": 3, "second": 29}
